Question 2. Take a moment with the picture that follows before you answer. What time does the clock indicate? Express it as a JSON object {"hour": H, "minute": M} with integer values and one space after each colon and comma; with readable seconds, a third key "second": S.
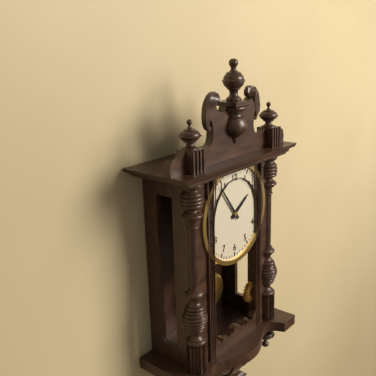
{"hour": 1, "minute": 54}
